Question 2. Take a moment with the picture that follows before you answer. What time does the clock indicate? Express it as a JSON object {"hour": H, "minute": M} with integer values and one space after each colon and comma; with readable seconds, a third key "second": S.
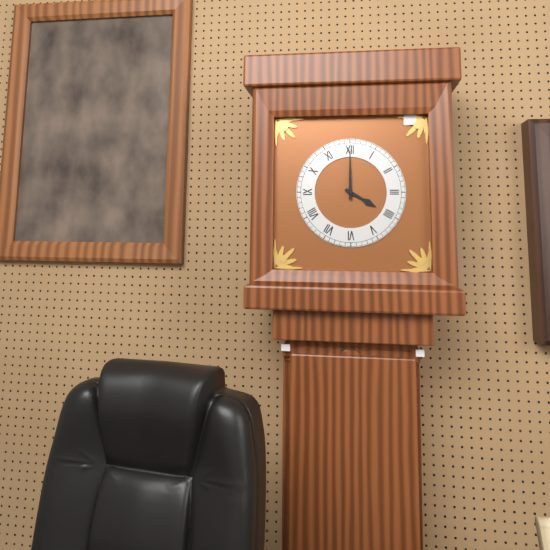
{"hour": 4, "minute": 0}
